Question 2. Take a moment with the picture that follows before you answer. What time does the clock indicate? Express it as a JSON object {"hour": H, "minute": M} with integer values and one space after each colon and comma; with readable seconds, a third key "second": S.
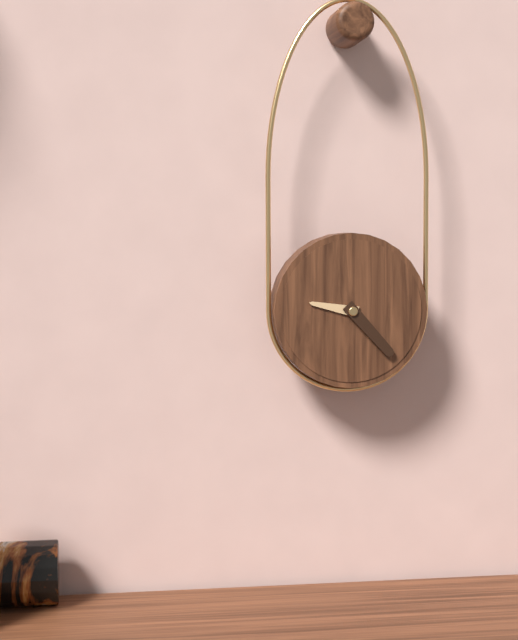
{"hour": 9, "minute": 23}
